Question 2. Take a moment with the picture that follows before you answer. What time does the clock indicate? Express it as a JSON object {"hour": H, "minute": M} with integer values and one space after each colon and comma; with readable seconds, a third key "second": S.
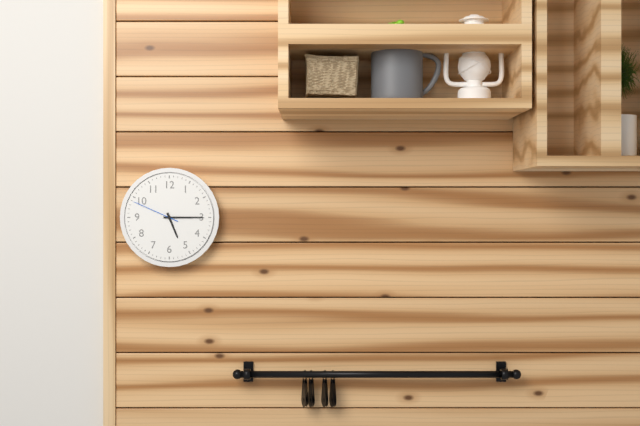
{"hour": 5, "minute": 15, "second": 49}
